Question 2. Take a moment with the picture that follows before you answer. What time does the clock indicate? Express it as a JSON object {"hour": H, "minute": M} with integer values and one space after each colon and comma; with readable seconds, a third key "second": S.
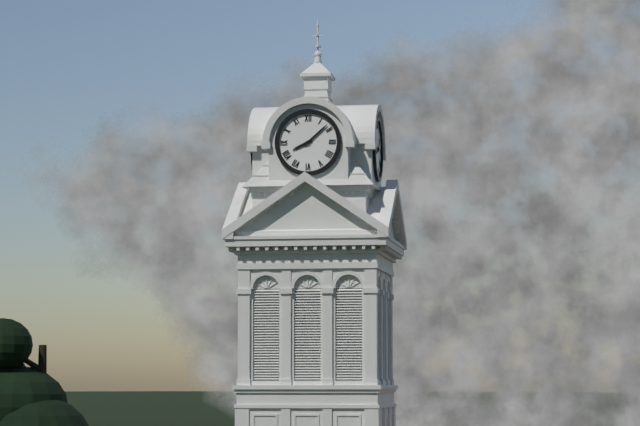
{"hour": 8, "minute": 8}
